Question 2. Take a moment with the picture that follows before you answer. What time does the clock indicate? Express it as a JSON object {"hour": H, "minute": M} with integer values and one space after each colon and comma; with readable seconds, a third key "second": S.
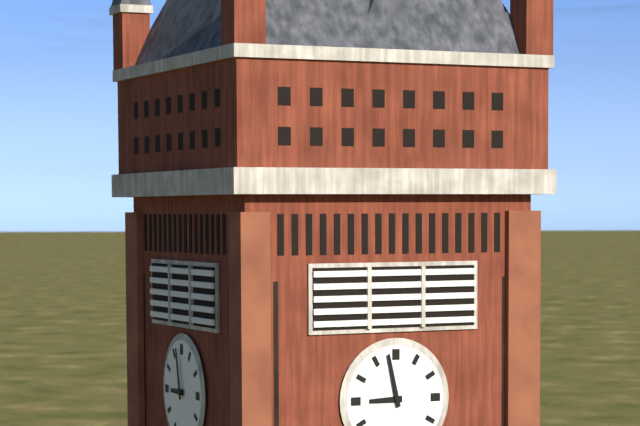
{"hour": 8, "minute": 58}
